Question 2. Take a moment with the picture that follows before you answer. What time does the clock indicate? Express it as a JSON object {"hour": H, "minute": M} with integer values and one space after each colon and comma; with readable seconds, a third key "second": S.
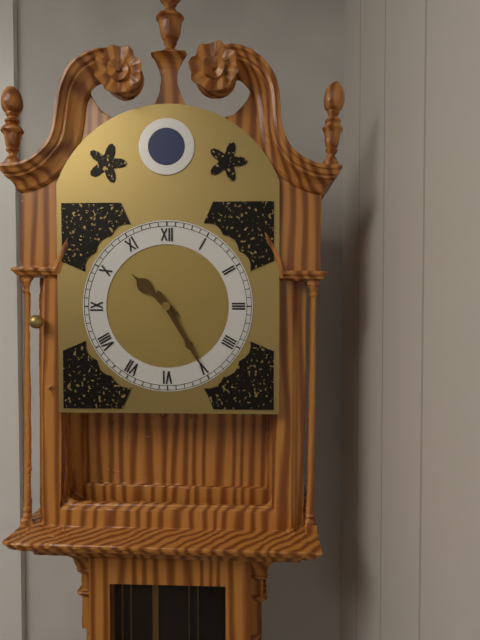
{"hour": 10, "minute": 25}
